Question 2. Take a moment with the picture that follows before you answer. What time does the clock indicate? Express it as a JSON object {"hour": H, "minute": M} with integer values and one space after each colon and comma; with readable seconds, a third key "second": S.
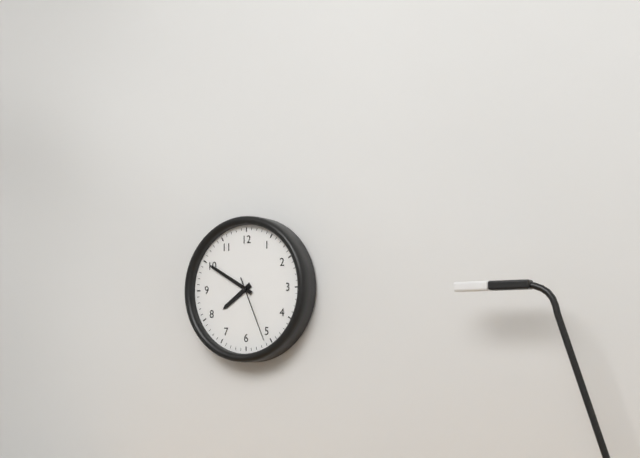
{"hour": 7, "minute": 50, "second": 26}
